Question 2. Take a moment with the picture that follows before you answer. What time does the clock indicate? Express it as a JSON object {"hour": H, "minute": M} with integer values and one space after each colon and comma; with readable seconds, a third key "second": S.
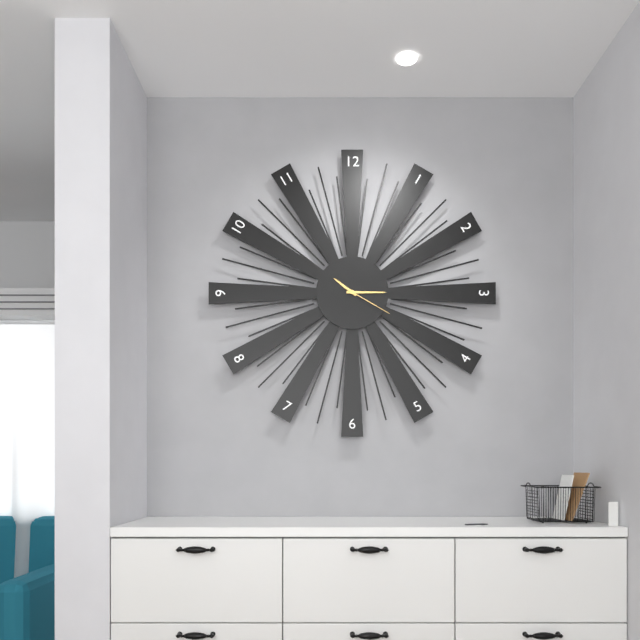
{"hour": 10, "minute": 15, "second": 20}
